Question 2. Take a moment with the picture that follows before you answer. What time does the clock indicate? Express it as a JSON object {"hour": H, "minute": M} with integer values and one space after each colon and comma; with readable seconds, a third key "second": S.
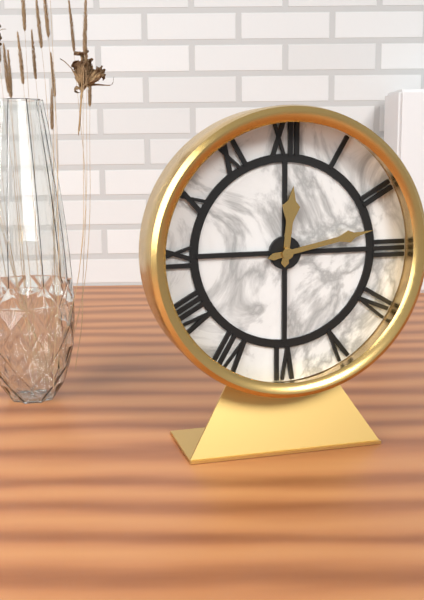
{"hour": 12, "minute": 13}
